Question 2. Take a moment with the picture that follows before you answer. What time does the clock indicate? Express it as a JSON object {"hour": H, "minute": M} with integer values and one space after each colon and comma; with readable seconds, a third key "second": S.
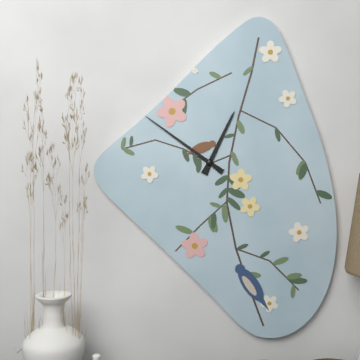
{"hour": 12, "minute": 51}
